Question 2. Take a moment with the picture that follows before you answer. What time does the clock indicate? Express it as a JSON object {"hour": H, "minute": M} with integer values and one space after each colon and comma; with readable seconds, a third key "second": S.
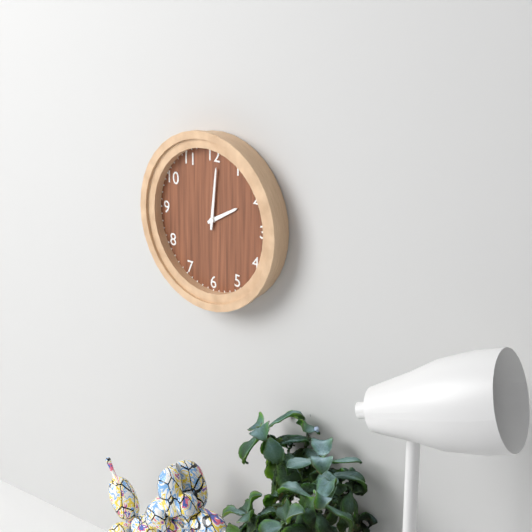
{"hour": 2, "minute": 1}
